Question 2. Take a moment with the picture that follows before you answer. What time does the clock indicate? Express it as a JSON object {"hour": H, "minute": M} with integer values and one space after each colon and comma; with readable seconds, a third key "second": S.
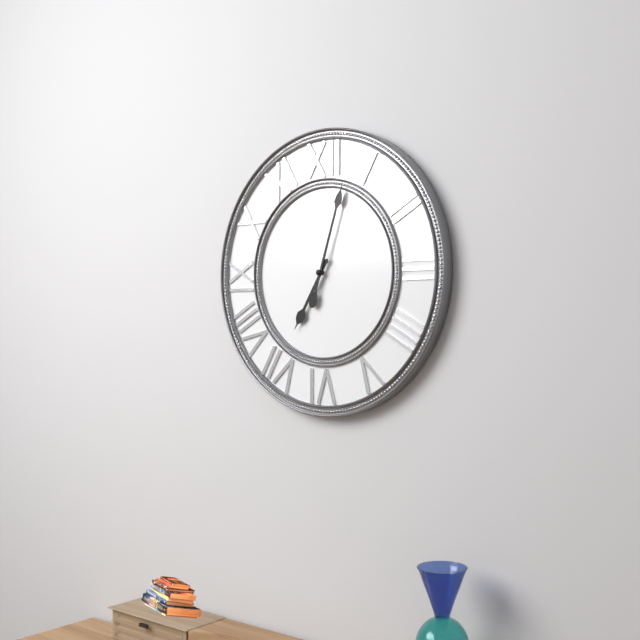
{"hour": 7, "minute": 3}
